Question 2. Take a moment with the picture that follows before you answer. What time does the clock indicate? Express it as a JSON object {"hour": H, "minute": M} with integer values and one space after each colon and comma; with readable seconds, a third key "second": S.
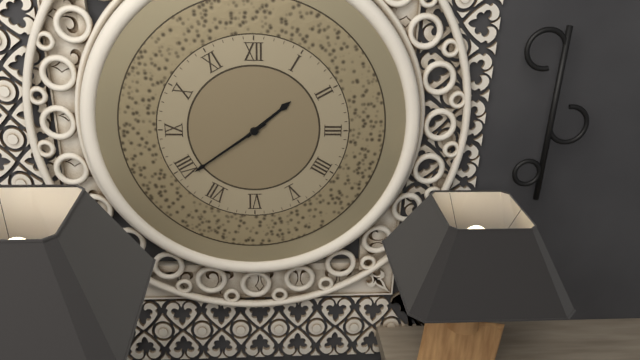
{"hour": 1, "minute": 39}
